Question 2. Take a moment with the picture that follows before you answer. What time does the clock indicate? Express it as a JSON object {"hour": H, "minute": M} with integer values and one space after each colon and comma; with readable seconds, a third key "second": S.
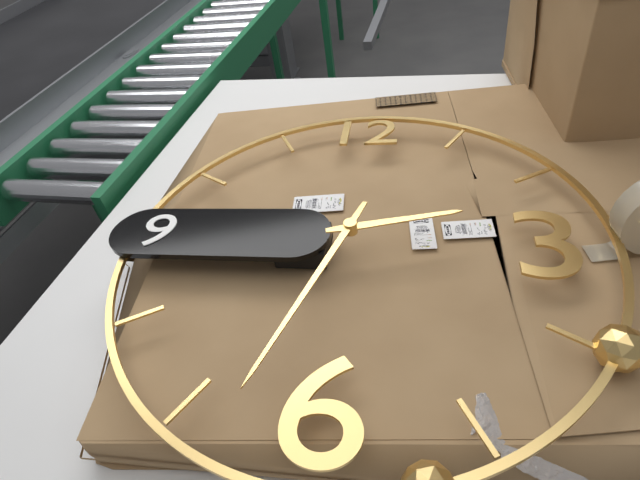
{"hour": 2, "minute": 33}
